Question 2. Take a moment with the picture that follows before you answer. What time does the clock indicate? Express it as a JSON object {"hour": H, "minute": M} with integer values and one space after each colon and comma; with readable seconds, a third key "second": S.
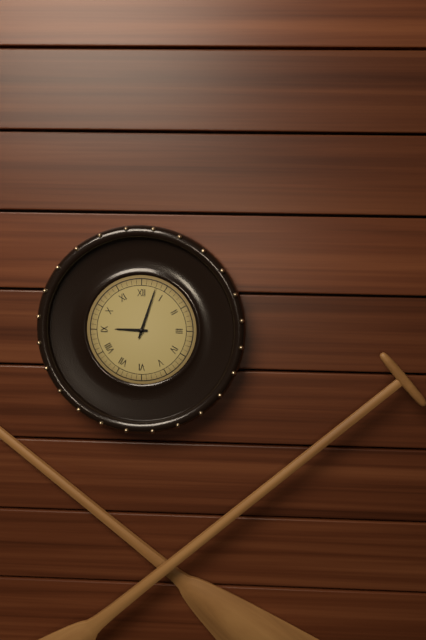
{"hour": 9, "minute": 3}
